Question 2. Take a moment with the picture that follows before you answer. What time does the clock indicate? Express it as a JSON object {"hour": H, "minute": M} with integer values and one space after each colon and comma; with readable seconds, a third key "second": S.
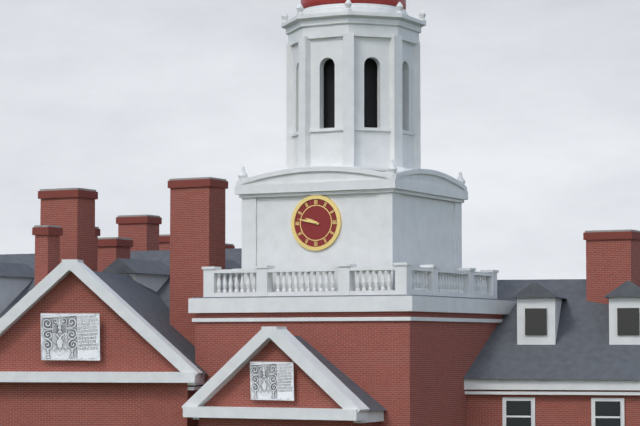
{"hour": 9, "minute": 47}
